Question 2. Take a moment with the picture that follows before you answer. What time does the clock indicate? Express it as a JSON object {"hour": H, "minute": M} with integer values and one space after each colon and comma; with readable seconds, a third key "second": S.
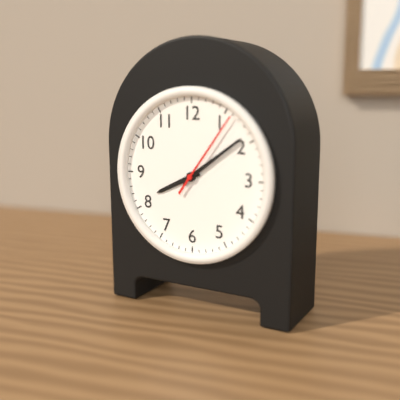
{"hour": 8, "minute": 9, "second": 6}
